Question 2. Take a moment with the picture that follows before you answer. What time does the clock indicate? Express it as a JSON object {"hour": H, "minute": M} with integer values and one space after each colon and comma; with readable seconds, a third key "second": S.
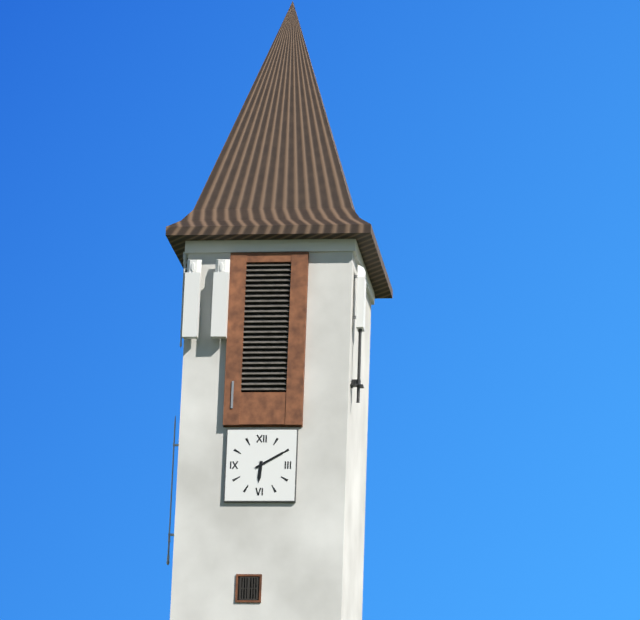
{"hour": 6, "minute": 10}
